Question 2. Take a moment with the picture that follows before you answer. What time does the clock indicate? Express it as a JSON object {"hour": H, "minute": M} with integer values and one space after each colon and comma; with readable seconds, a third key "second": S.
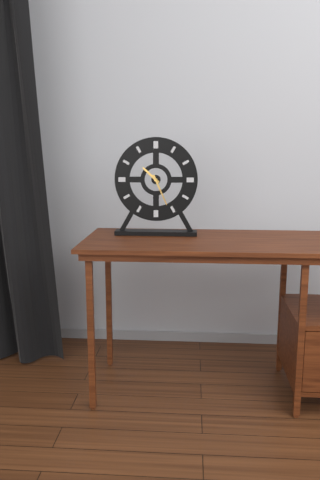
{"hour": 10, "minute": 26}
